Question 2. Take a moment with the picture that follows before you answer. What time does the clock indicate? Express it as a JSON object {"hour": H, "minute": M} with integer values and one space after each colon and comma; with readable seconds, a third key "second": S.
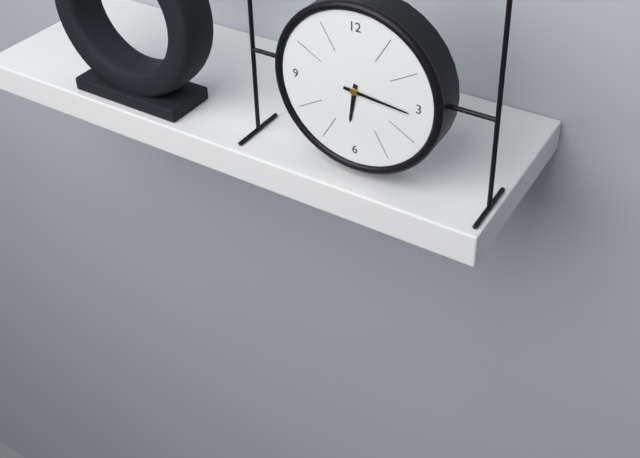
{"hour": 6, "minute": 16}
